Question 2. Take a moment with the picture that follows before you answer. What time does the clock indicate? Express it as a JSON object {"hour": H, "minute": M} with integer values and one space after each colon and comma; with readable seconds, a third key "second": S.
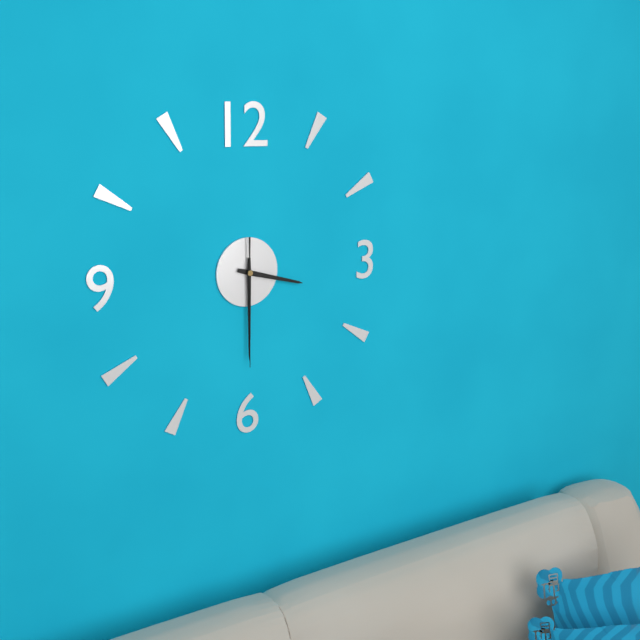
{"hour": 3, "minute": 30, "second": 30}
